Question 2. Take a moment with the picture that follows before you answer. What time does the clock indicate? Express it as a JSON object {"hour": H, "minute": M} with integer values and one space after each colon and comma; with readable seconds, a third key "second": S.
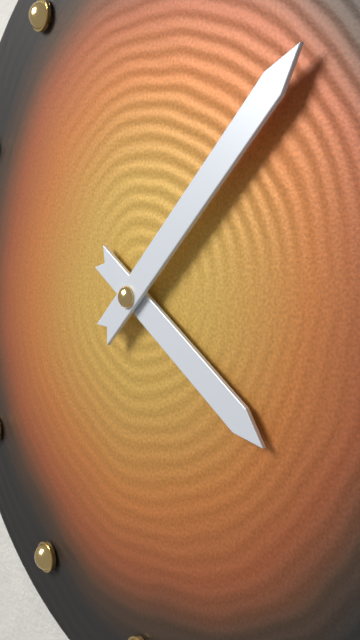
{"hour": 4, "minute": 8}
